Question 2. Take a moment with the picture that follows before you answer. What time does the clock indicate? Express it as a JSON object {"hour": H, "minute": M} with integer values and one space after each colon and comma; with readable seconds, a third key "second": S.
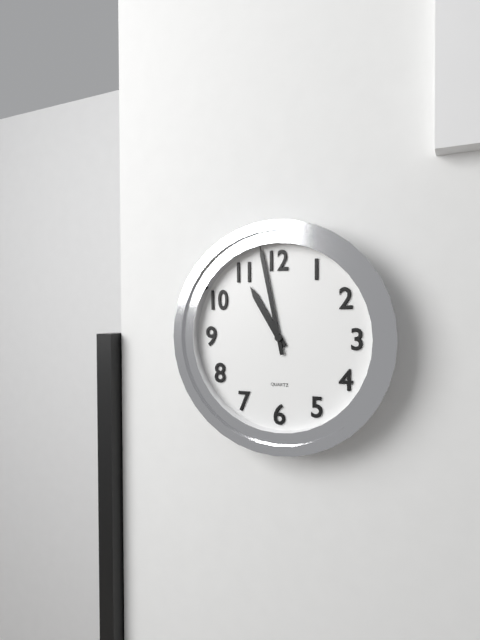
{"hour": 10, "minute": 58}
